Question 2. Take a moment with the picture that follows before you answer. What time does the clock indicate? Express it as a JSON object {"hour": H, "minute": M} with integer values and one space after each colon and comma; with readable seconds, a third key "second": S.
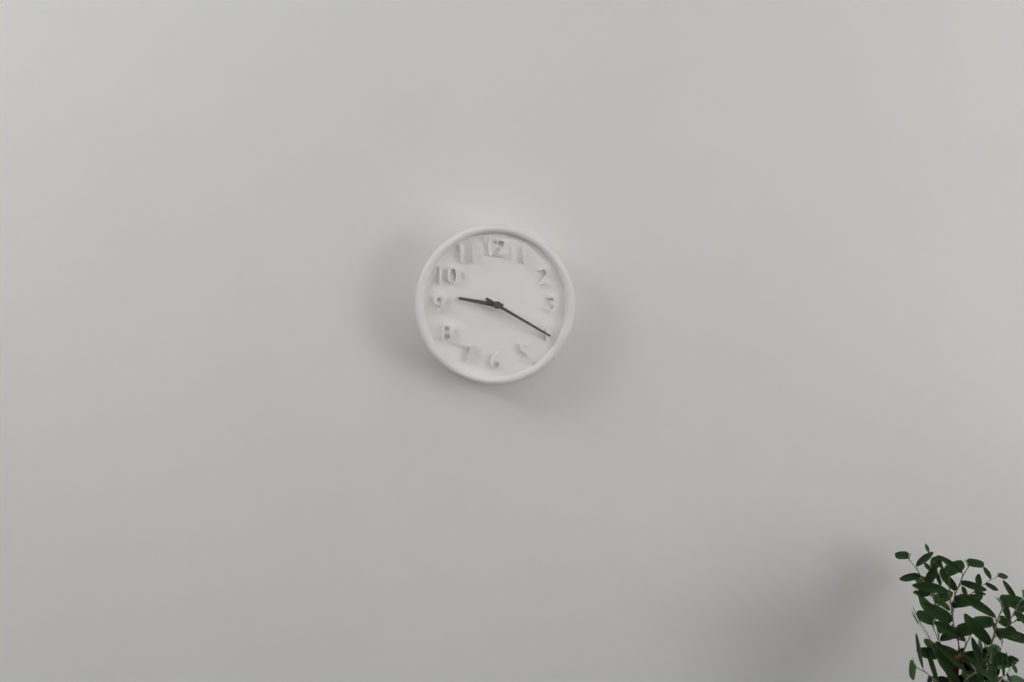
{"hour": 9, "minute": 20}
